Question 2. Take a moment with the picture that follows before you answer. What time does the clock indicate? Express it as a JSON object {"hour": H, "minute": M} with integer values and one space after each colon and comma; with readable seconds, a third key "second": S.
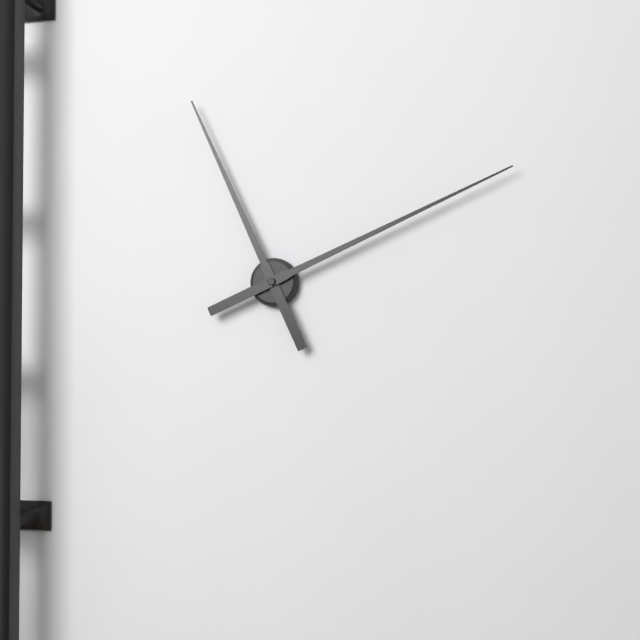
{"hour": 11, "minute": 11}
